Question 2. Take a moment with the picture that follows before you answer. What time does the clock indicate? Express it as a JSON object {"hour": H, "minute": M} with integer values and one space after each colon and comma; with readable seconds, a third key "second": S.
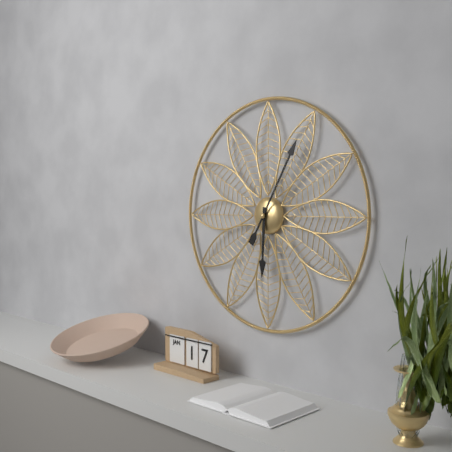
{"hour": 6, "minute": 5}
